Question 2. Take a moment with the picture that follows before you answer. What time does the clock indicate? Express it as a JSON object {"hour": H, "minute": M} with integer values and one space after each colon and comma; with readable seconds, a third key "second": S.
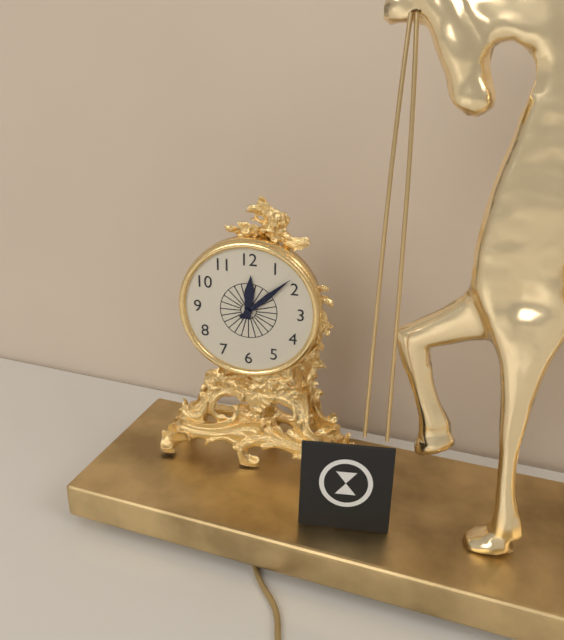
{"hour": 12, "minute": 8}
